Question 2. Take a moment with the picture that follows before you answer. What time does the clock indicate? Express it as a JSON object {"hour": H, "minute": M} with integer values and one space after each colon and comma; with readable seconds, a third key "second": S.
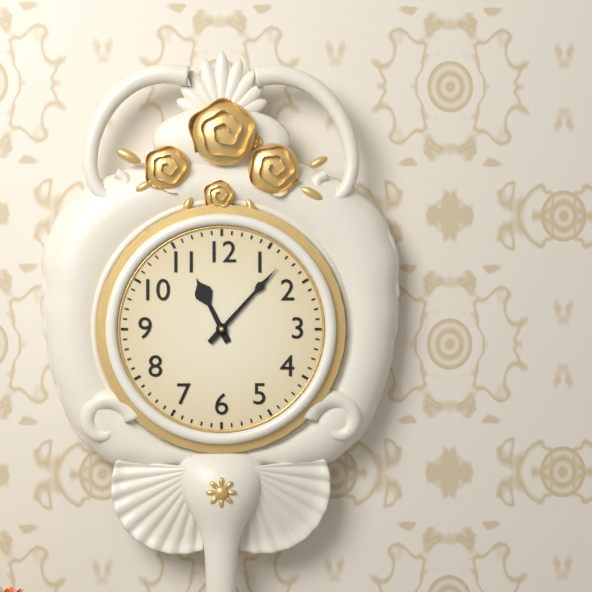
{"hour": 11, "minute": 7}
